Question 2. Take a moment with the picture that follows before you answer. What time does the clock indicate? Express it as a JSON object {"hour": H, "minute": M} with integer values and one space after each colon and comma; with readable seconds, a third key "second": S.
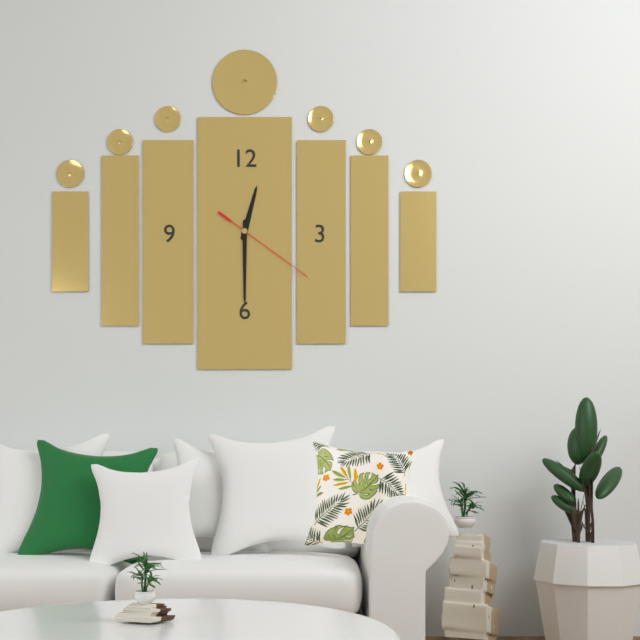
{"hour": 12, "minute": 30, "second": 21}
